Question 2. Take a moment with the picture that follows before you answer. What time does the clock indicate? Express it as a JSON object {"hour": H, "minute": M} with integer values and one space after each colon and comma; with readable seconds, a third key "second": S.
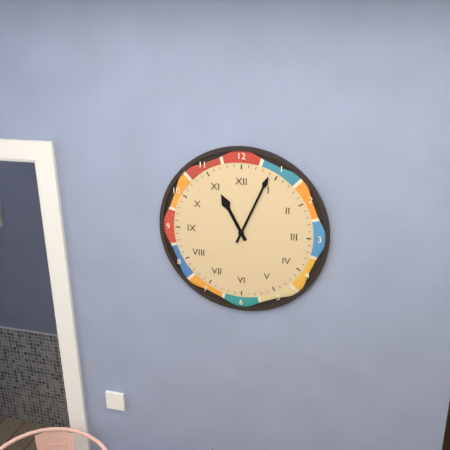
{"hour": 11, "minute": 4}
